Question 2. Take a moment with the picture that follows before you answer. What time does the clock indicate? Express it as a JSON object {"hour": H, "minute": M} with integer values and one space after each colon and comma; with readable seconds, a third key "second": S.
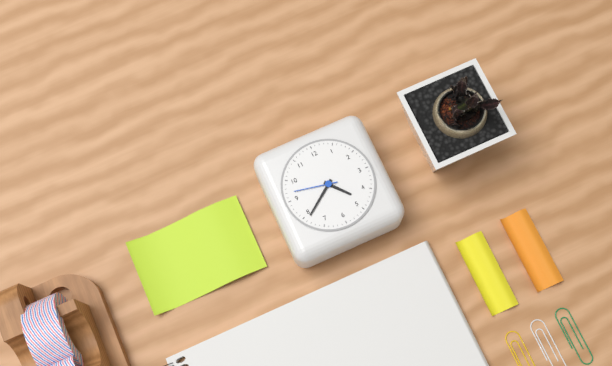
{"hour": 4, "minute": 39}
